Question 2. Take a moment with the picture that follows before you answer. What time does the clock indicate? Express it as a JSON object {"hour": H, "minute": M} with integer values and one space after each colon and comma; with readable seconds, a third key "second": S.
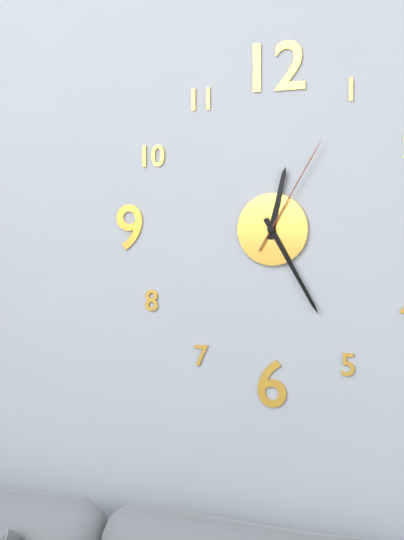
{"hour": 12, "minute": 25, "second": 5}
